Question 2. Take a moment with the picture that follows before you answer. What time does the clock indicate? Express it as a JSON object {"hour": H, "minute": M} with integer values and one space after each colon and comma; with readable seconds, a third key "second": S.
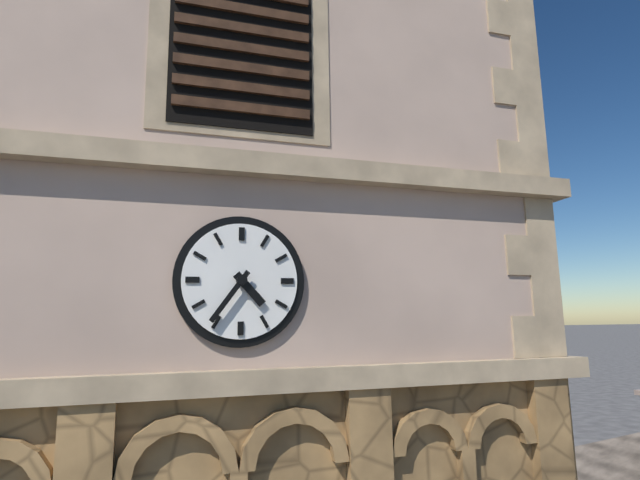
{"hour": 4, "minute": 36}
